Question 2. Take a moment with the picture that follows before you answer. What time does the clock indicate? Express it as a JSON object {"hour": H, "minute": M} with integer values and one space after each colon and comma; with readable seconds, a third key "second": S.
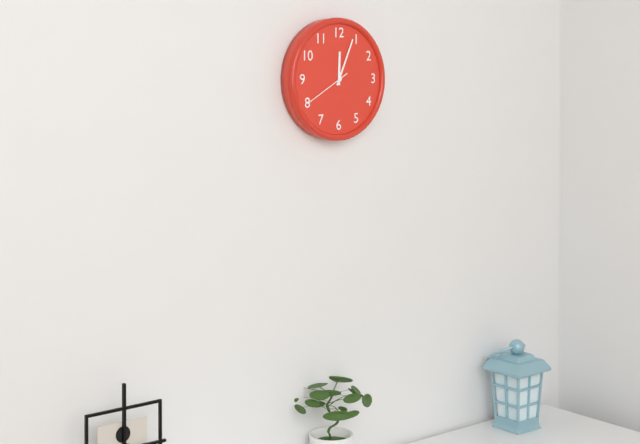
{"hour": 12, "minute": 4, "second": 40}
